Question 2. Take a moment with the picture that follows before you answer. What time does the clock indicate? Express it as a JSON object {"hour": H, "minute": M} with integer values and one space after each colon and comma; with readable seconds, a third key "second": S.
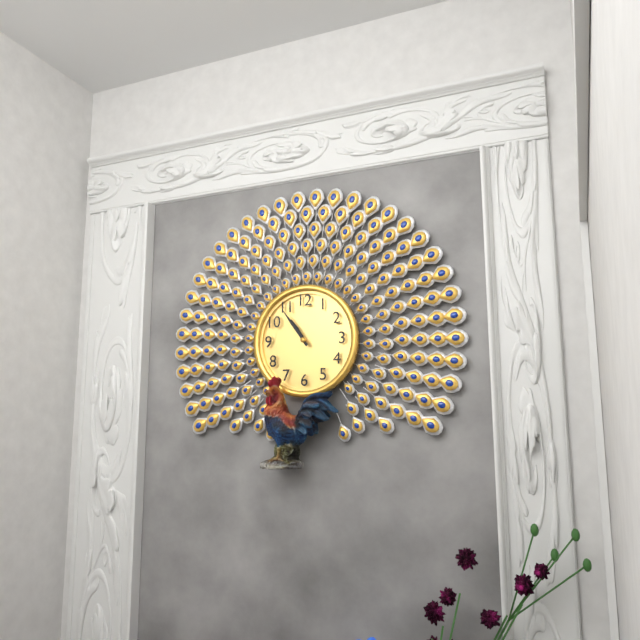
{"hour": 10, "minute": 54}
